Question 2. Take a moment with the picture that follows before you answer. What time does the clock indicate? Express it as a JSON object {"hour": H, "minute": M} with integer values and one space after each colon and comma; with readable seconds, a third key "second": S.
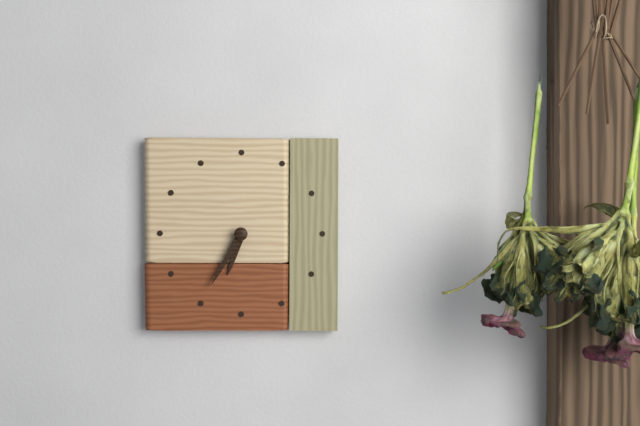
{"hour": 6, "minute": 35}
